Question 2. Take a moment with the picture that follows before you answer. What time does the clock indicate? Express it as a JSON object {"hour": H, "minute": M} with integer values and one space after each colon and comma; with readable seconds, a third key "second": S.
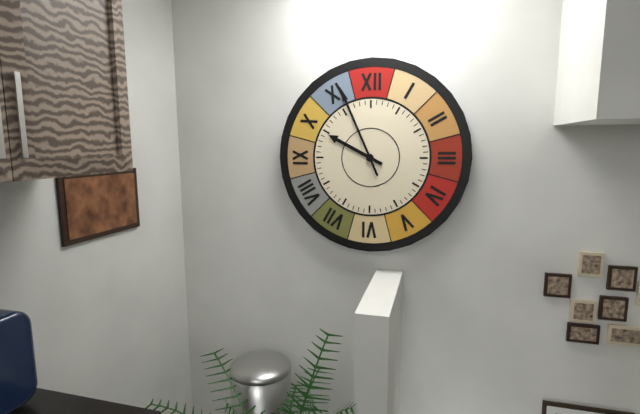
{"hour": 9, "minute": 56}
